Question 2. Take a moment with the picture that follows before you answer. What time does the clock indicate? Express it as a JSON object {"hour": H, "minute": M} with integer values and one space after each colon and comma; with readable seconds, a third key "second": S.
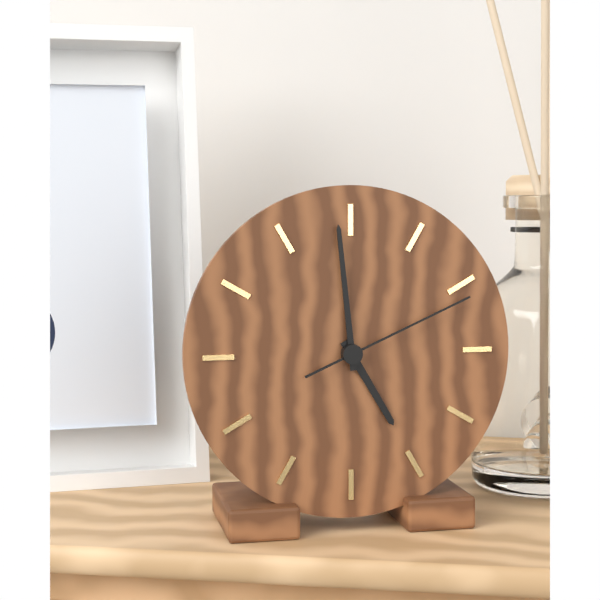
{"hour": 4, "minute": 59, "second": 11}
